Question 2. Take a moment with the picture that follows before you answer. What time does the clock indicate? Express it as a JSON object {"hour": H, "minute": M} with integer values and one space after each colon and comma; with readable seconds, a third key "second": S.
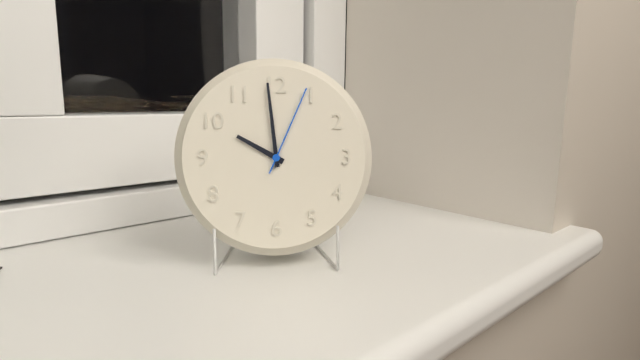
{"hour": 9, "minute": 59, "second": 4}
